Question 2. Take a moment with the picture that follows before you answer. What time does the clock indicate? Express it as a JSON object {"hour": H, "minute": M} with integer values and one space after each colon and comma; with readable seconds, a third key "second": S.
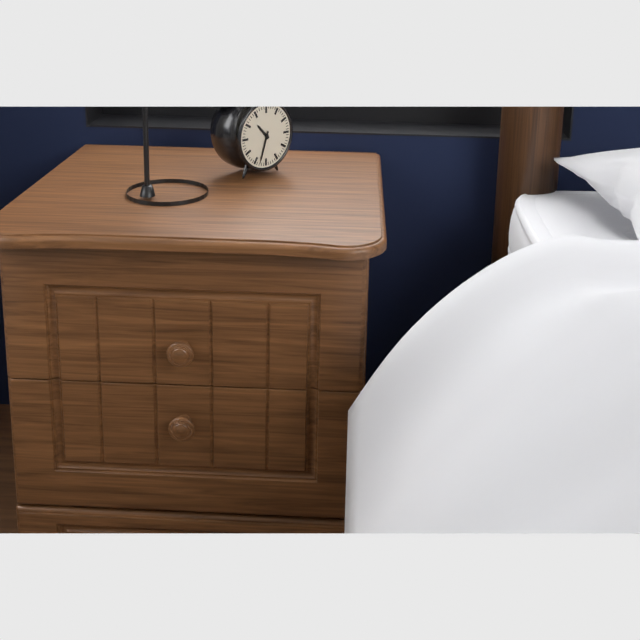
{"hour": 10, "minute": 33}
